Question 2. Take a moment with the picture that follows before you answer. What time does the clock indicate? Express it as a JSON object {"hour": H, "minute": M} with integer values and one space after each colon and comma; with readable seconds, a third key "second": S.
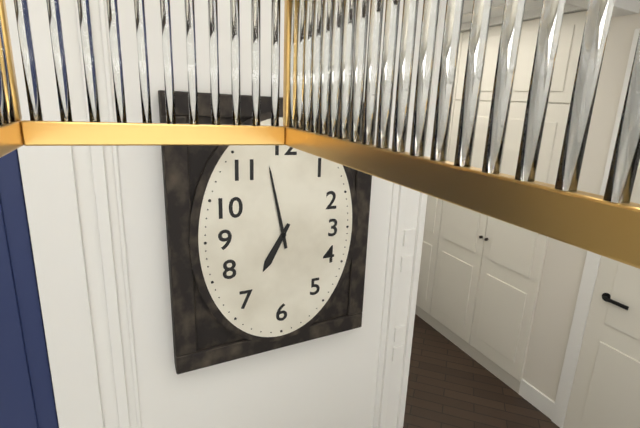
{"hour": 6, "minute": 58}
